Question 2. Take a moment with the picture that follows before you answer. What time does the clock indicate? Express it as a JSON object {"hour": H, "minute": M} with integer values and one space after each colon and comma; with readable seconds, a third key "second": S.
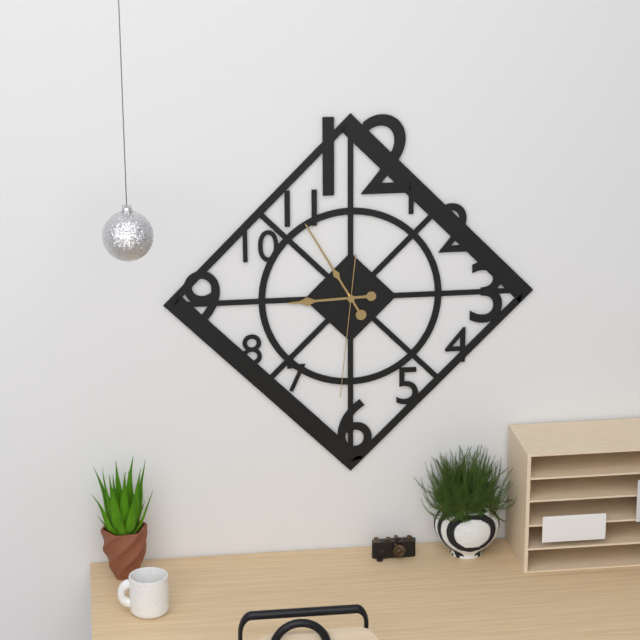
{"hour": 8, "minute": 55, "second": 31}
